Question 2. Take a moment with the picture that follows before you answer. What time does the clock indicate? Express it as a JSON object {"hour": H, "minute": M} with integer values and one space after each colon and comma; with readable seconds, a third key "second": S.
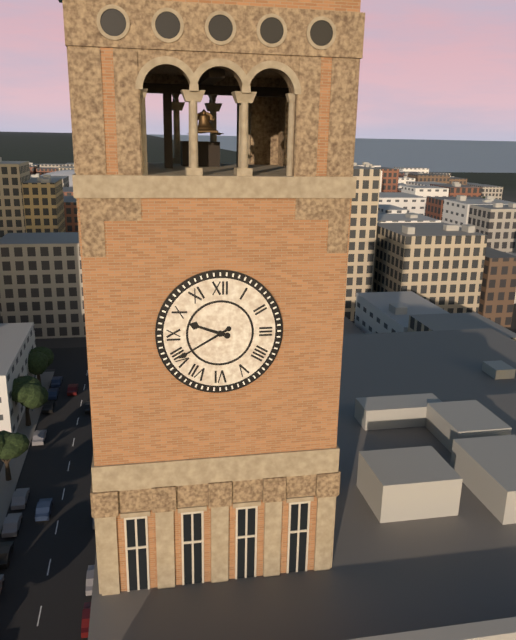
{"hour": 9, "minute": 40}
